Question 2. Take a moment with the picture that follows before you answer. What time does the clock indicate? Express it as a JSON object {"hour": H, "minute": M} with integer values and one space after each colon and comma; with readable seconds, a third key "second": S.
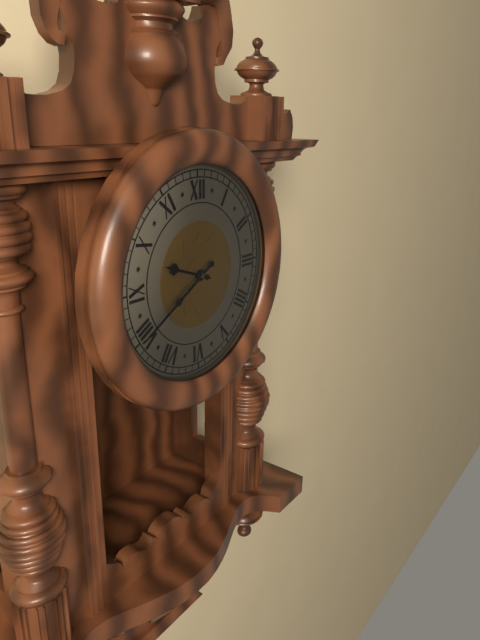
{"hour": 9, "minute": 40}
